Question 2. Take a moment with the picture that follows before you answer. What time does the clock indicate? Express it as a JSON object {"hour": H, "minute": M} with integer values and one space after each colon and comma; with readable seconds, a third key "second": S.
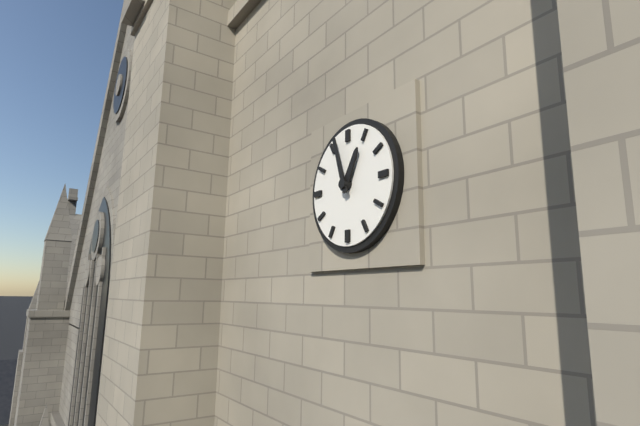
{"hour": 12, "minute": 57}
